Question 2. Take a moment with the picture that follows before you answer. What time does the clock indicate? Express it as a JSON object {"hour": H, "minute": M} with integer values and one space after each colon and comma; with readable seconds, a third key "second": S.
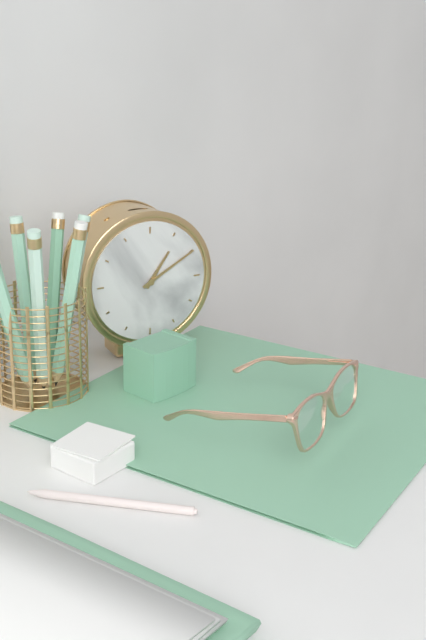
{"hour": 1, "minute": 10}
